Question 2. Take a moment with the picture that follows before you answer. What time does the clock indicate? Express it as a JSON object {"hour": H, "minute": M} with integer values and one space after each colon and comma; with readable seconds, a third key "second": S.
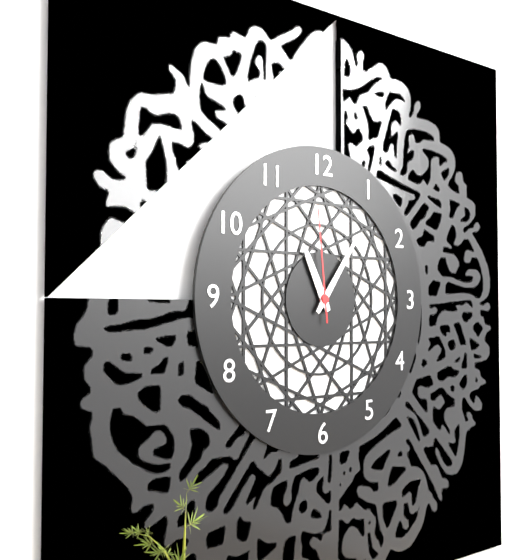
{"hour": 11, "minute": 6, "second": 59}
